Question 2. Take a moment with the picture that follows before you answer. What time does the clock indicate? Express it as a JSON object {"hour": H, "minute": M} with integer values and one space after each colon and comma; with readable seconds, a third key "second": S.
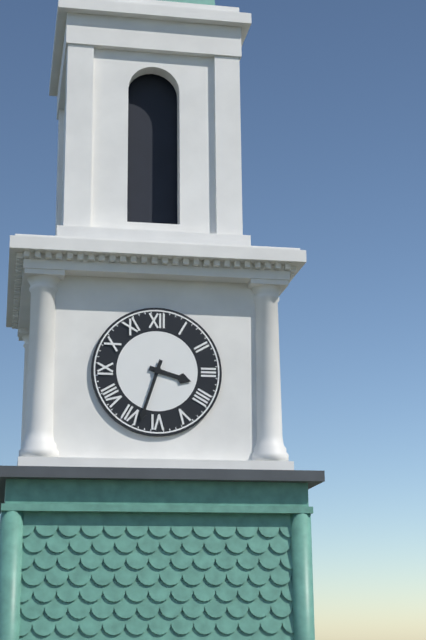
{"hour": 3, "minute": 33}
